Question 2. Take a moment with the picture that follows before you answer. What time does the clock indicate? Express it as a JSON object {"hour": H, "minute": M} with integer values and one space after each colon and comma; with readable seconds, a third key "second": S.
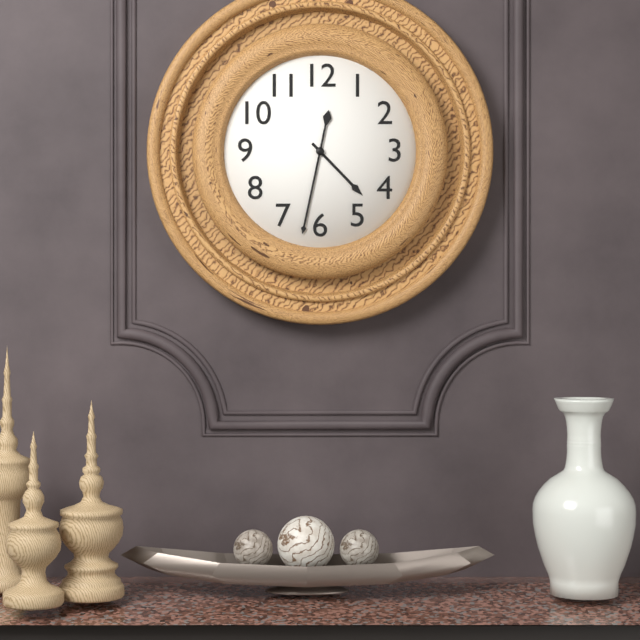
{"hour": 4, "minute": 32}
